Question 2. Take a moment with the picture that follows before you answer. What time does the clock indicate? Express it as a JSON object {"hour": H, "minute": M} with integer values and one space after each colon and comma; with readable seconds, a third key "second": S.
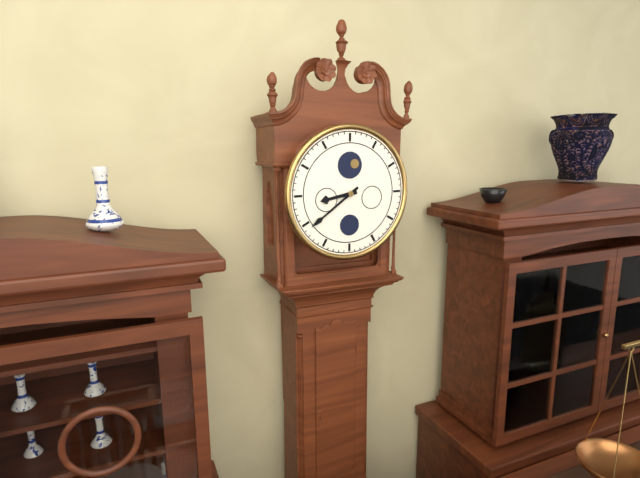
{"hour": 8, "minute": 39}
